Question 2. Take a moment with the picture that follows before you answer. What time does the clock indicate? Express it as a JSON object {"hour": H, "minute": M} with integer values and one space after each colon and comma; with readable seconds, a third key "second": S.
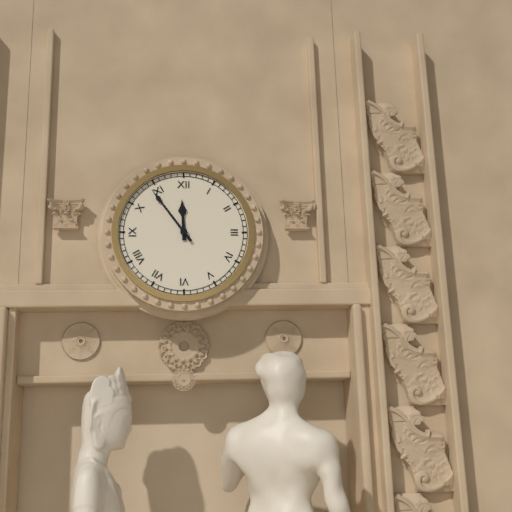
{"hour": 11, "minute": 54}
